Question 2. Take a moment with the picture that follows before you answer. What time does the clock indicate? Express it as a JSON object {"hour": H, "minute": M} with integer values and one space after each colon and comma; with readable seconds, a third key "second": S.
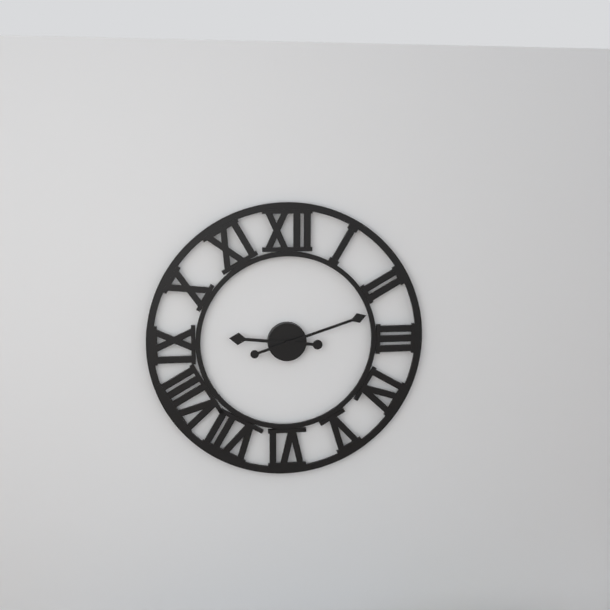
{"hour": 9, "minute": 12}
